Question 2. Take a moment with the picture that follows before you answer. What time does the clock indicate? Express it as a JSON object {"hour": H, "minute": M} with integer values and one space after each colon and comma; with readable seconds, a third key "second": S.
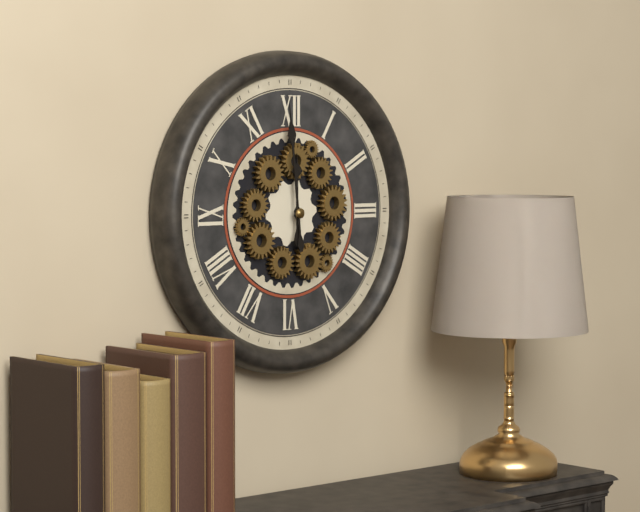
{"hour": 11, "minute": 59}
